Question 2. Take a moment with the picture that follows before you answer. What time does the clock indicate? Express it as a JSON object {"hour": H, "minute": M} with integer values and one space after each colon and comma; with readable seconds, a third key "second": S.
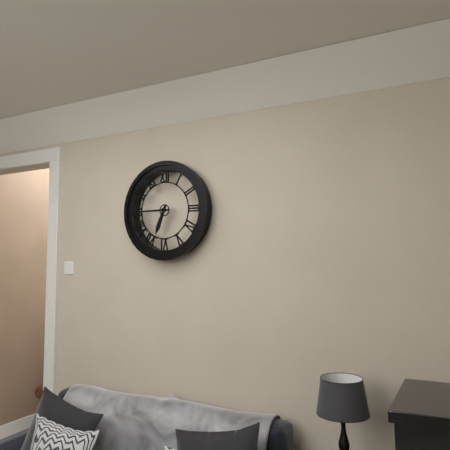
{"hour": 6, "minute": 45}
